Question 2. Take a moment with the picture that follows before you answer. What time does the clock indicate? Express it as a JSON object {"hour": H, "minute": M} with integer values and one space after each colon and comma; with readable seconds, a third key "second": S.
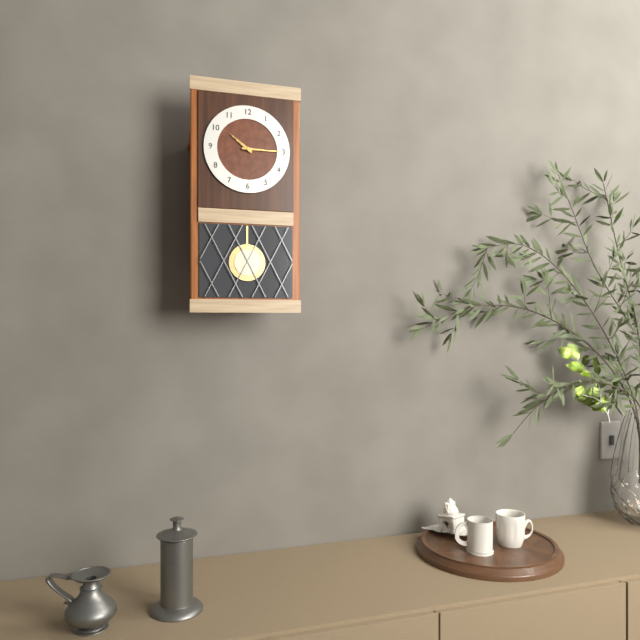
{"hour": 10, "minute": 15}
